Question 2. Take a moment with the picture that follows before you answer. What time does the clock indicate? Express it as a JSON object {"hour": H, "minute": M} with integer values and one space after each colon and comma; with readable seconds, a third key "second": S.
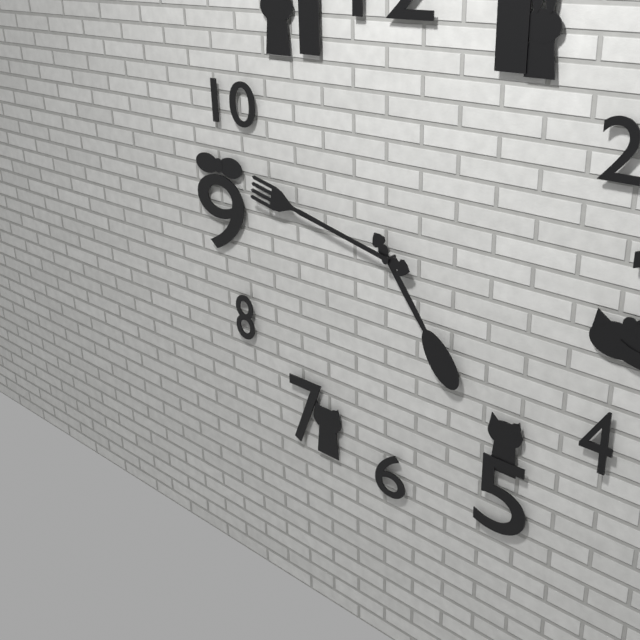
{"hour": 4, "minute": 47}
